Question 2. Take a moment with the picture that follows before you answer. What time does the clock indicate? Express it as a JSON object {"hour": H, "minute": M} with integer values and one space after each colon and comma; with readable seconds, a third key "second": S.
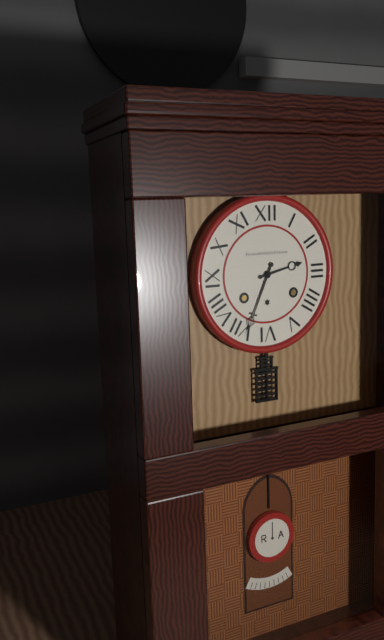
{"hour": 2, "minute": 34}
